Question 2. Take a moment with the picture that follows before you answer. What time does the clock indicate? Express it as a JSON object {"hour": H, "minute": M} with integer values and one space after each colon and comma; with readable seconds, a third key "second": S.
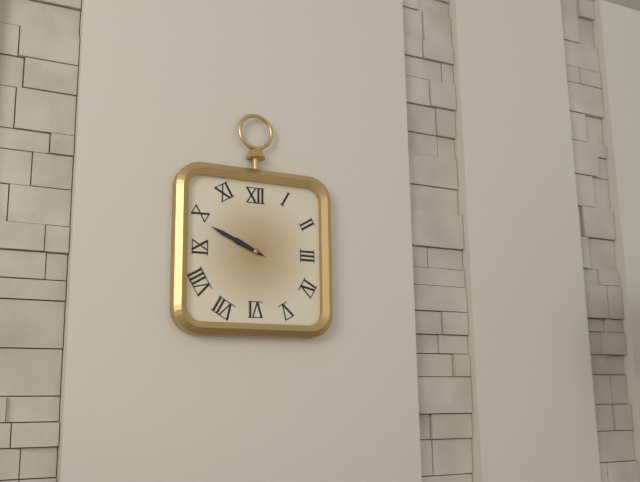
{"hour": 9, "minute": 49}
